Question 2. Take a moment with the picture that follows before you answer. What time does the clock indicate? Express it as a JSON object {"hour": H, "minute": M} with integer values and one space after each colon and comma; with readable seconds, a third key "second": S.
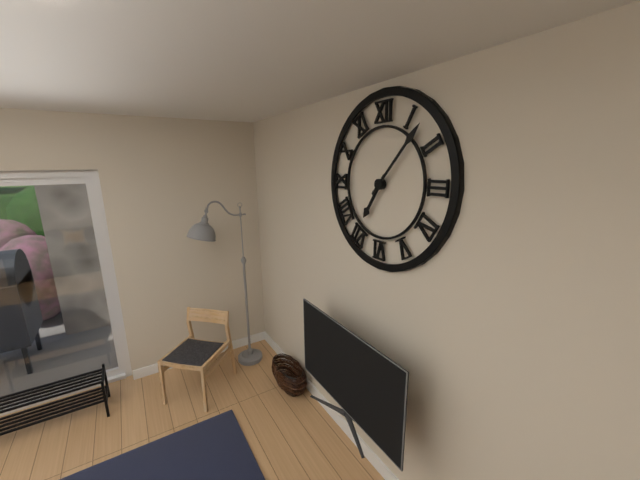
{"hour": 7, "minute": 7}
